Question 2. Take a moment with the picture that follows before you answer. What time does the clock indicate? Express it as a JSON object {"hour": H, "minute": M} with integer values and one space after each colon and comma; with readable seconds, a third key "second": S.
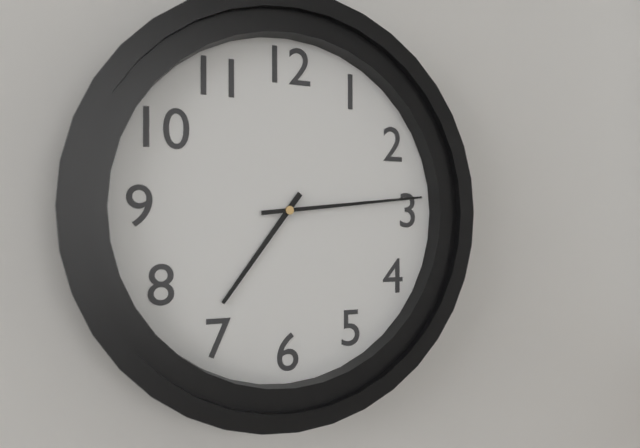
{"hour": 7, "minute": 14}
